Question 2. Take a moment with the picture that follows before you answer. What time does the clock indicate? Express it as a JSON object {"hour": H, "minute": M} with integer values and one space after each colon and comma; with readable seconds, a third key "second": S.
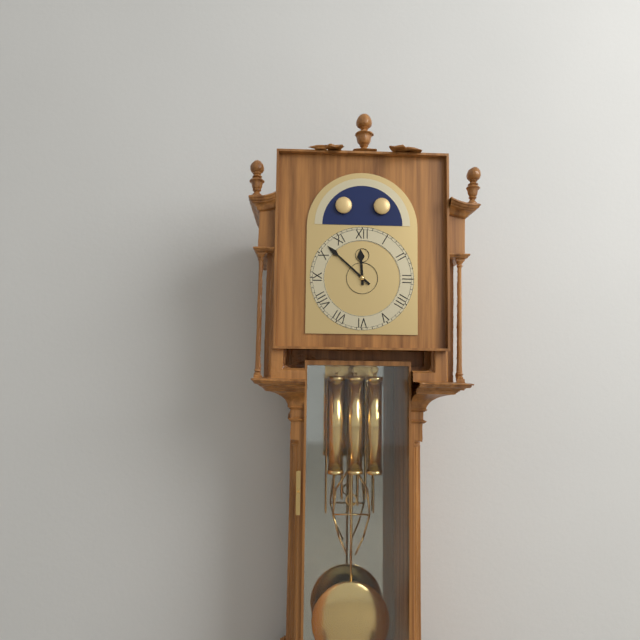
{"hour": 11, "minute": 52}
